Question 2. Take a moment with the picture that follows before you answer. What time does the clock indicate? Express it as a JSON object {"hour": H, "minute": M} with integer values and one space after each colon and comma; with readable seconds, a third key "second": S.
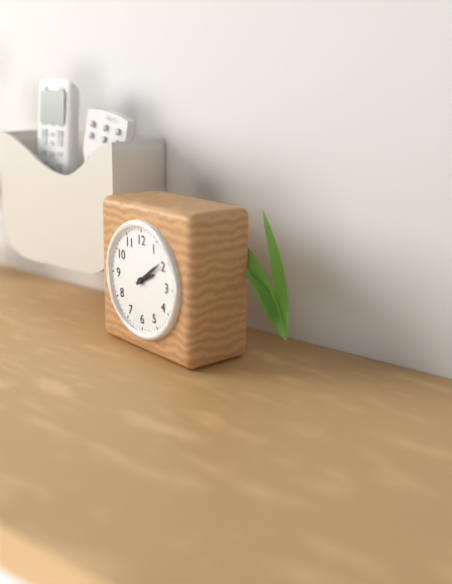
{"hour": 2, "minute": 9}
